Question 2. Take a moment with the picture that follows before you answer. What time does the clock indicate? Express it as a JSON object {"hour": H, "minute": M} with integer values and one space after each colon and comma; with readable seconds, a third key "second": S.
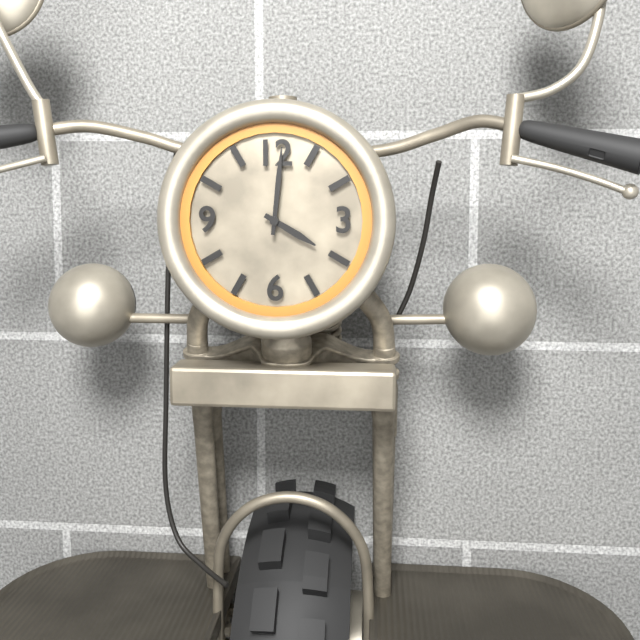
{"hour": 4, "minute": 1}
